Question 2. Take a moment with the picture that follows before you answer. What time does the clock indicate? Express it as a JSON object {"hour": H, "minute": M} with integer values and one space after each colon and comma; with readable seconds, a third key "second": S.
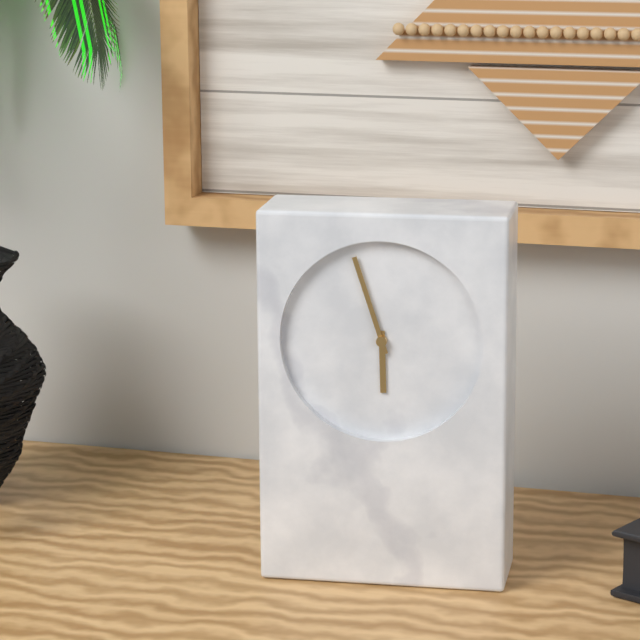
{"hour": 5, "minute": 57}
